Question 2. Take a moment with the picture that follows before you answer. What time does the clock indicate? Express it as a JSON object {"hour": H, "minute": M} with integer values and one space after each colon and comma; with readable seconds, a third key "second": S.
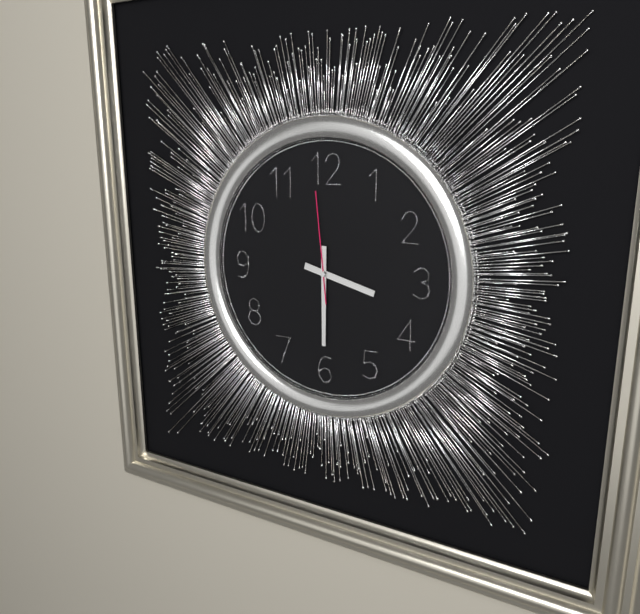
{"hour": 3, "minute": 30, "second": 59}
